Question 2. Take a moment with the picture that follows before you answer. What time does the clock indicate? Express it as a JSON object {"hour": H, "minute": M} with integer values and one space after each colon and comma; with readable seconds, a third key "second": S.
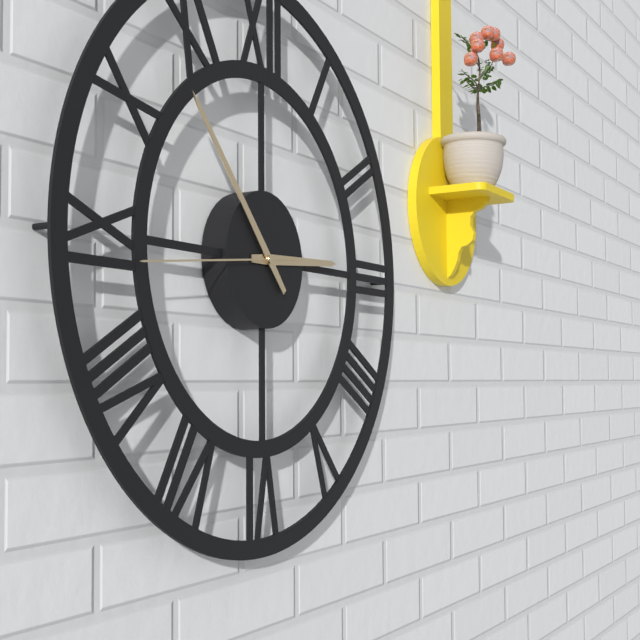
{"hour": 2, "minute": 53, "second": 44}
